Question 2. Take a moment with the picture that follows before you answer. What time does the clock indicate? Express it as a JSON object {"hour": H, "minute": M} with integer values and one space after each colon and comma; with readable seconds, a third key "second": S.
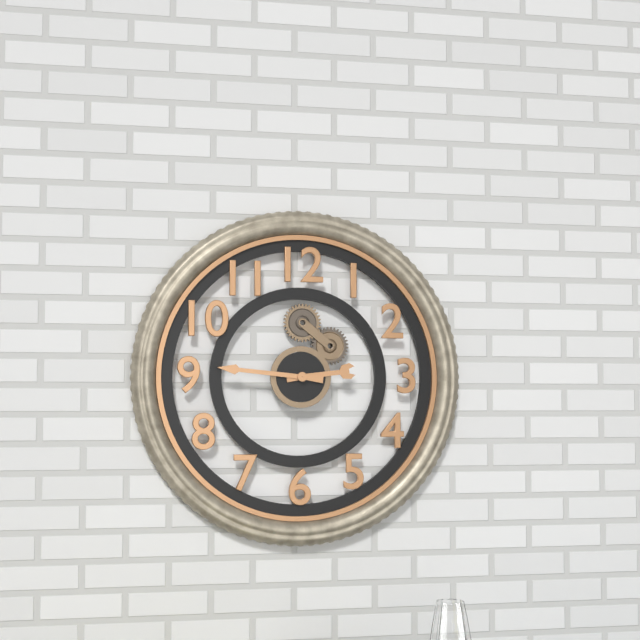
{"hour": 2, "minute": 46}
